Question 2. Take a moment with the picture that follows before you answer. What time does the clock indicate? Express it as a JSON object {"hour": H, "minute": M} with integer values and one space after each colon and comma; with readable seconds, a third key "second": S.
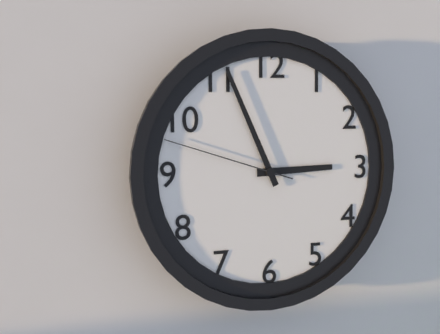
{"hour": 2, "minute": 56, "second": 48}
